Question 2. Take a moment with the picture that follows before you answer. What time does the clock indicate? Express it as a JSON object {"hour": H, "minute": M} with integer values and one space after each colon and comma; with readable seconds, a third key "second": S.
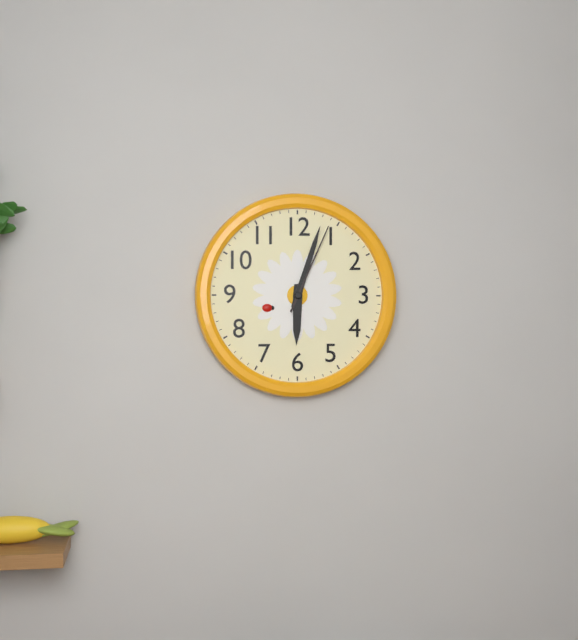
{"hour": 6, "minute": 3, "second": 4}
